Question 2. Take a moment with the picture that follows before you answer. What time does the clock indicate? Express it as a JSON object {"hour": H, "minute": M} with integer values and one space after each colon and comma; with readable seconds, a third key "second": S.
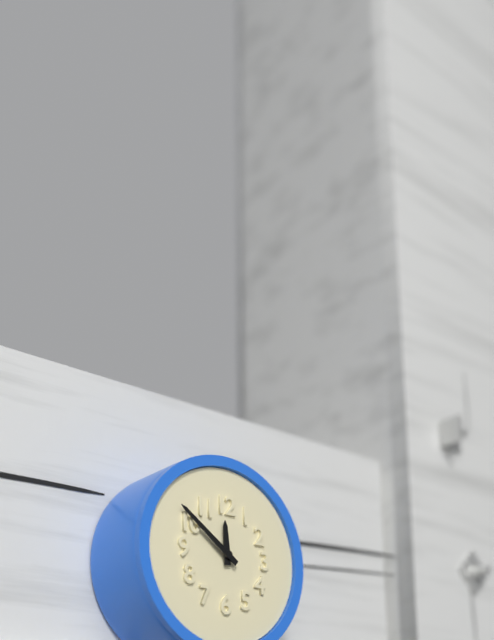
{"hour": 11, "minute": 51}
